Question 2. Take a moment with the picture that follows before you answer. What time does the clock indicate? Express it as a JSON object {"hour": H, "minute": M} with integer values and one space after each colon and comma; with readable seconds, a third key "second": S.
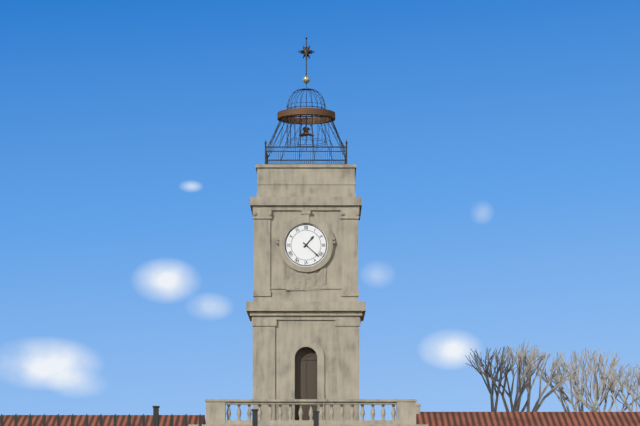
{"hour": 1, "minute": 22}
